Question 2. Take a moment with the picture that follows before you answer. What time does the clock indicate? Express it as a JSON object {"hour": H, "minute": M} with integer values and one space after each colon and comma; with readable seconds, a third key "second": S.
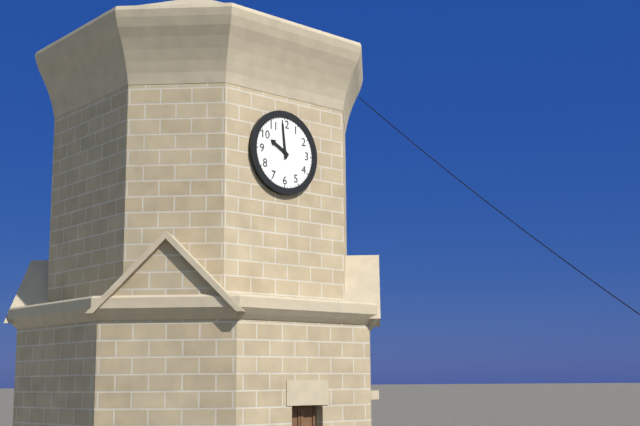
{"hour": 9, "minute": 59}
